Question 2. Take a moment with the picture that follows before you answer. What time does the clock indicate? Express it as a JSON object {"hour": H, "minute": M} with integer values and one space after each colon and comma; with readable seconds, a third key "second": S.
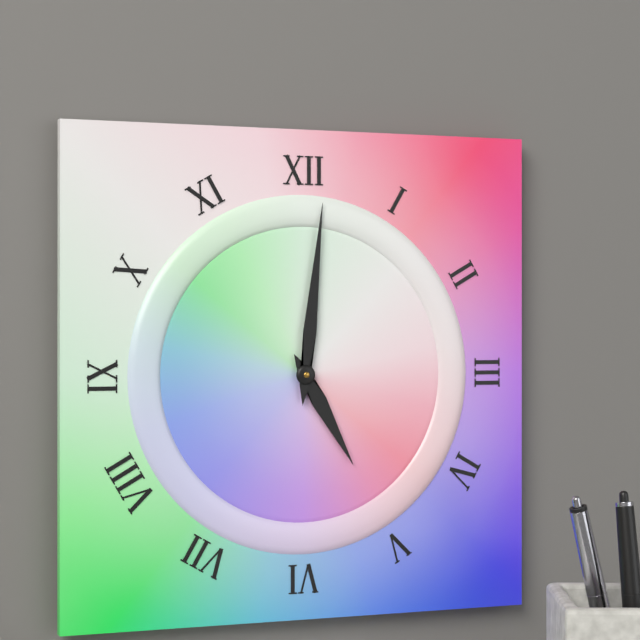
{"hour": 5, "minute": 1}
